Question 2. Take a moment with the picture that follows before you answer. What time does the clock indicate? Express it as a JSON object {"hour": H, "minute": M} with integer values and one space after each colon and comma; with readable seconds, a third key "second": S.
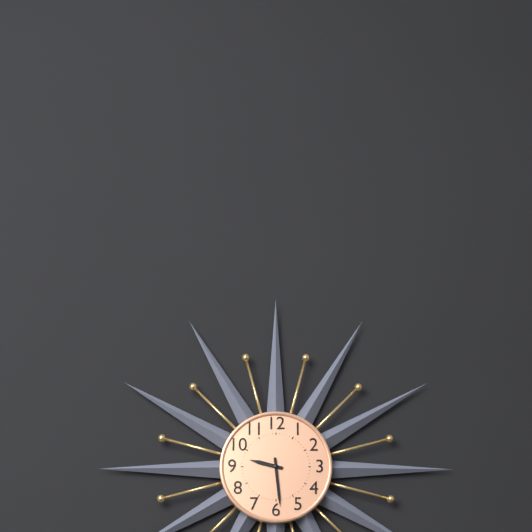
{"hour": 9, "minute": 29}
